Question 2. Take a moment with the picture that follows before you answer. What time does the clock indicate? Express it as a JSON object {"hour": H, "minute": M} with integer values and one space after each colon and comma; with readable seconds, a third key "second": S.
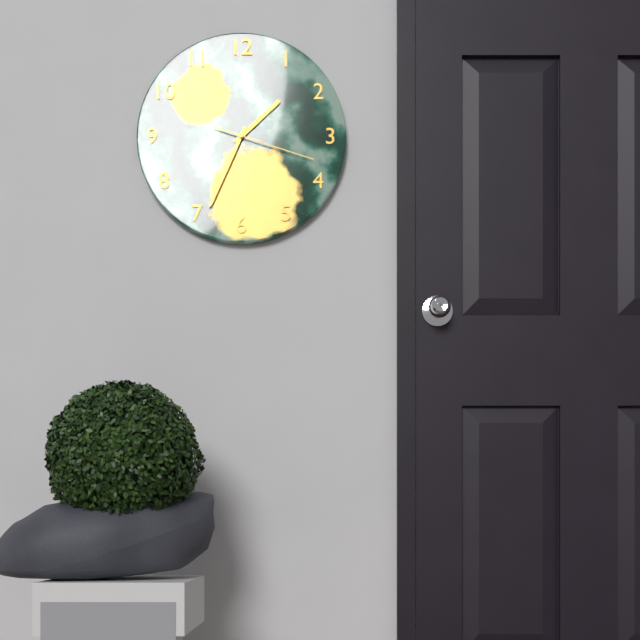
{"hour": 1, "minute": 34, "second": 18}
